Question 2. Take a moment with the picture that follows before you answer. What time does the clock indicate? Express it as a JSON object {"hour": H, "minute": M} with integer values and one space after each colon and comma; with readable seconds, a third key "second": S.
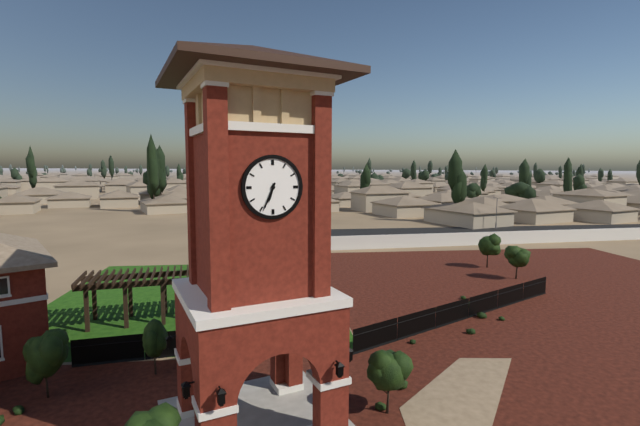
{"hour": 6, "minute": 34}
